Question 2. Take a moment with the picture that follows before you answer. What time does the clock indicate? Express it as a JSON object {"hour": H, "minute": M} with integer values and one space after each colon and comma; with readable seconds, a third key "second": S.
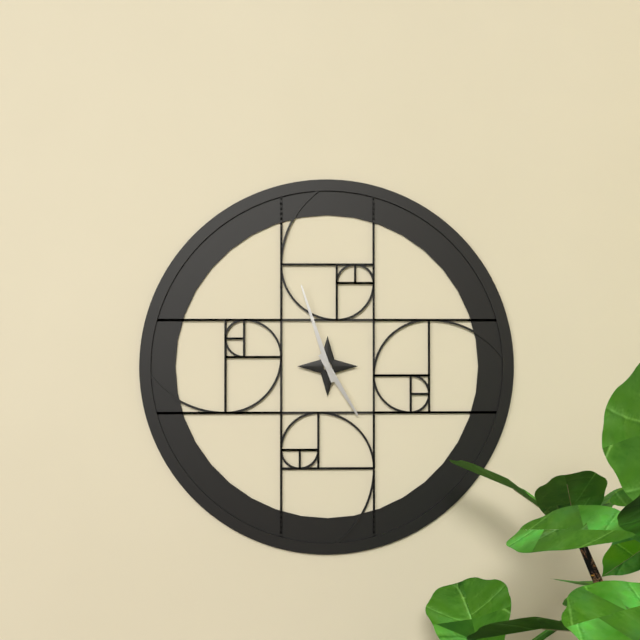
{"hour": 4, "minute": 57}
